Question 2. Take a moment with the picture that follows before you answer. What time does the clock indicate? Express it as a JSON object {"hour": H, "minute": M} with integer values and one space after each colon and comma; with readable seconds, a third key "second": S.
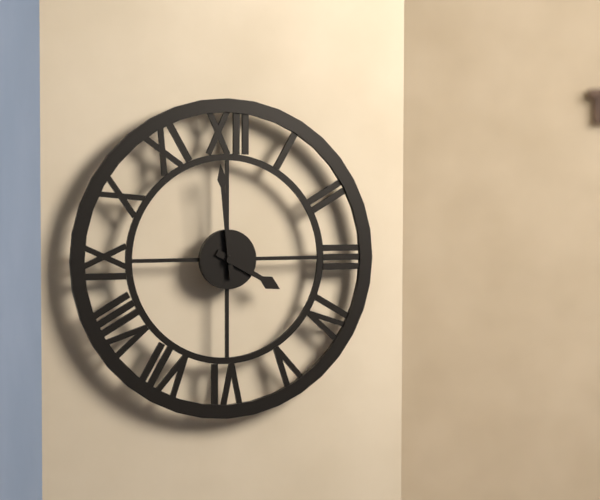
{"hour": 3, "minute": 59}
